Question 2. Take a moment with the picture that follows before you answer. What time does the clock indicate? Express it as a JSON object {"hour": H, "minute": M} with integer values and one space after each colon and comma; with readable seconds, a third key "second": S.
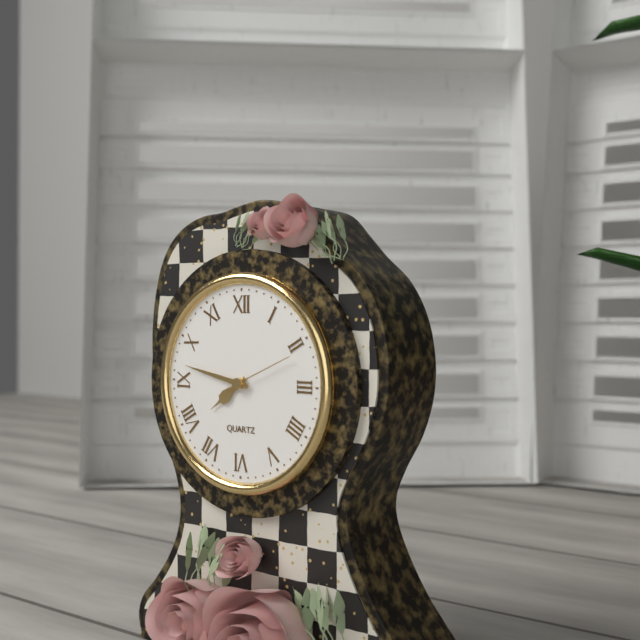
{"hour": 7, "minute": 47, "second": 11}
